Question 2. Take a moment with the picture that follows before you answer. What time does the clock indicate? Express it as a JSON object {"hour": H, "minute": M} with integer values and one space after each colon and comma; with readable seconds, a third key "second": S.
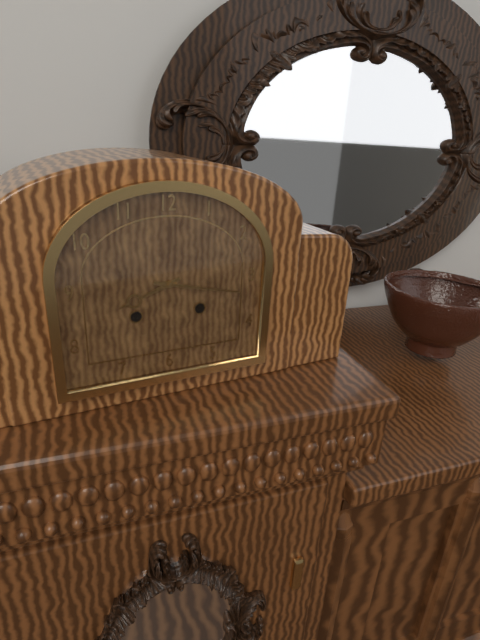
{"hour": 8, "minute": 17}
